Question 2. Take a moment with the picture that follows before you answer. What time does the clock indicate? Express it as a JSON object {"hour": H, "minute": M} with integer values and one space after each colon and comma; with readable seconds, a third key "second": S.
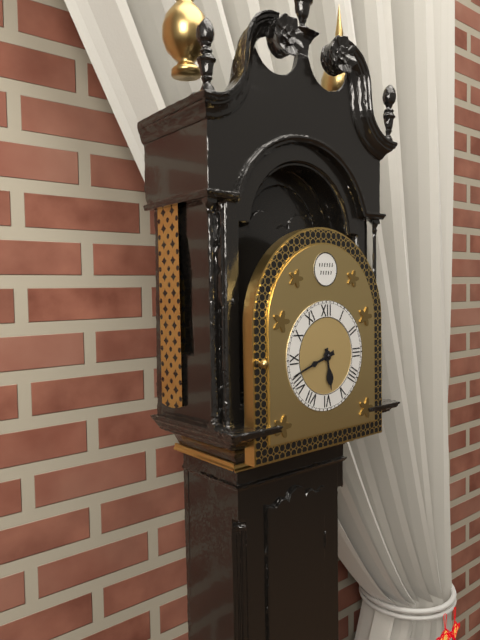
{"hour": 5, "minute": 42}
